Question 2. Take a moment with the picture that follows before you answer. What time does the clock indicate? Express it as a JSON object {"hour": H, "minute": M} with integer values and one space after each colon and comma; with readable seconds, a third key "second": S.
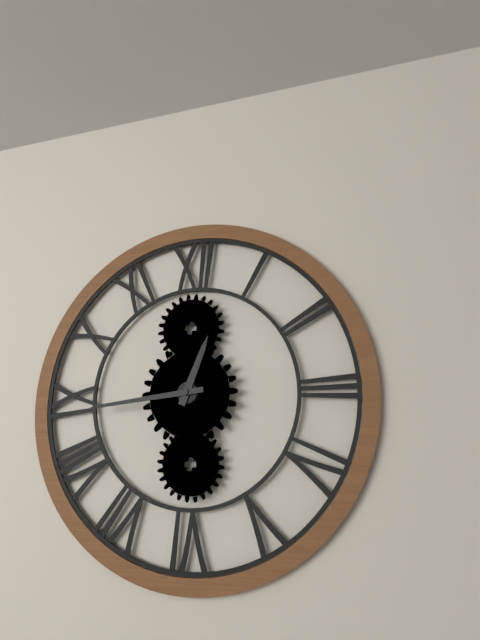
{"hour": 12, "minute": 44}
